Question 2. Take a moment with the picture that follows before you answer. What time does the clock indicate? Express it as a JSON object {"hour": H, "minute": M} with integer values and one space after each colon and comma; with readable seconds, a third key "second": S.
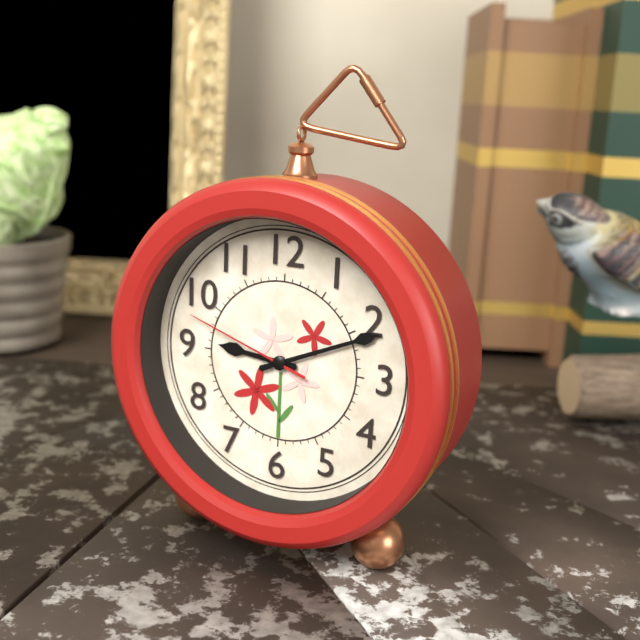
{"hour": 9, "minute": 11, "second": 48}
